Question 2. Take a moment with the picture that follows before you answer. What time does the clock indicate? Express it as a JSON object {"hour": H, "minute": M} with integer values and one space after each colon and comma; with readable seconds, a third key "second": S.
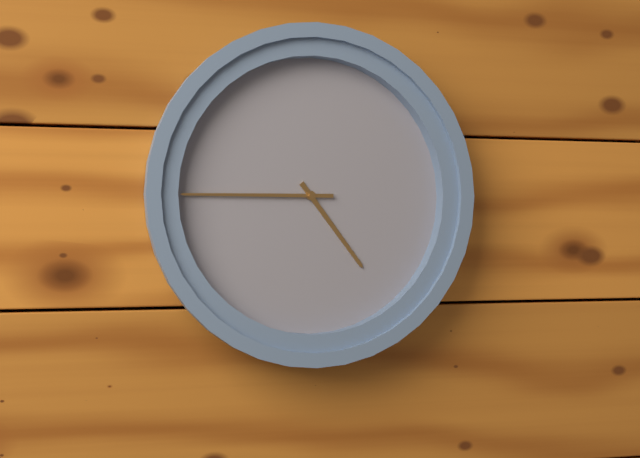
{"hour": 4, "minute": 45}
